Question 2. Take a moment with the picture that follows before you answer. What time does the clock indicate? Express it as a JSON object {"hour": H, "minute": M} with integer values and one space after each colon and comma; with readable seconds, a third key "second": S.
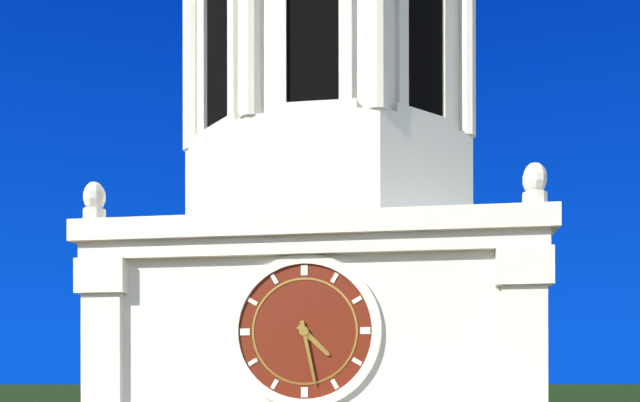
{"hour": 4, "minute": 28}
